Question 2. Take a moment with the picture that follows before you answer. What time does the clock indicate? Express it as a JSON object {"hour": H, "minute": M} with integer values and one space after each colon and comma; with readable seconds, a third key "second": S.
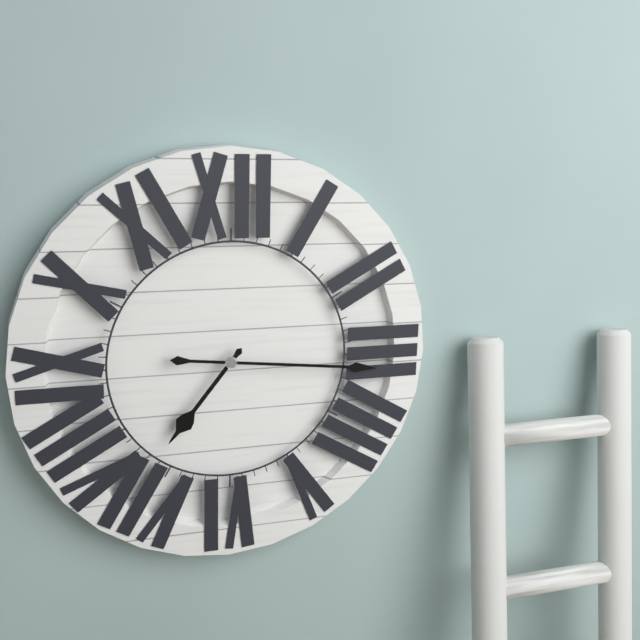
{"hour": 7, "minute": 16}
